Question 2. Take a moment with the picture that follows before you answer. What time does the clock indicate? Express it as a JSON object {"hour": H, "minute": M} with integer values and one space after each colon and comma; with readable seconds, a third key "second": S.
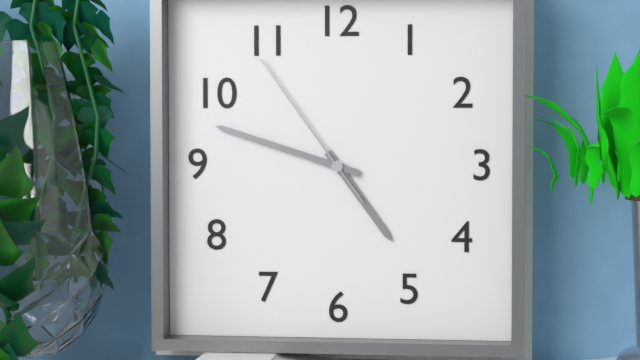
{"hour": 4, "minute": 48, "second": 54}
